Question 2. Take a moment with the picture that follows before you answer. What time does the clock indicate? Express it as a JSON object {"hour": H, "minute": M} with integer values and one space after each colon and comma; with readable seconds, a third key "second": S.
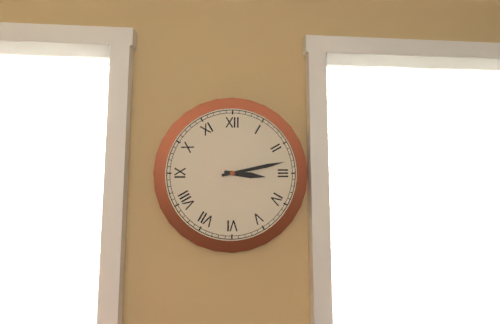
{"hour": 3, "minute": 13}
